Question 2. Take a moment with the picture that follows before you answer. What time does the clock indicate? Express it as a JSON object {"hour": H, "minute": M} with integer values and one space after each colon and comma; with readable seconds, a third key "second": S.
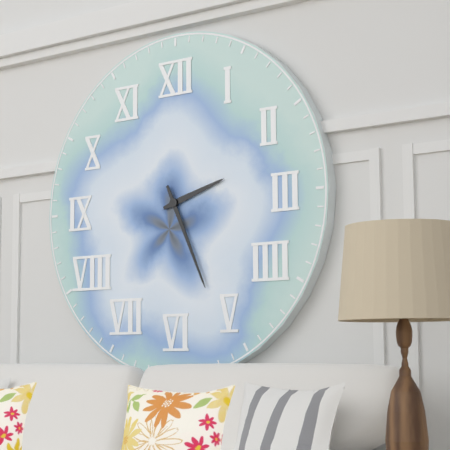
{"hour": 2, "minute": 26}
